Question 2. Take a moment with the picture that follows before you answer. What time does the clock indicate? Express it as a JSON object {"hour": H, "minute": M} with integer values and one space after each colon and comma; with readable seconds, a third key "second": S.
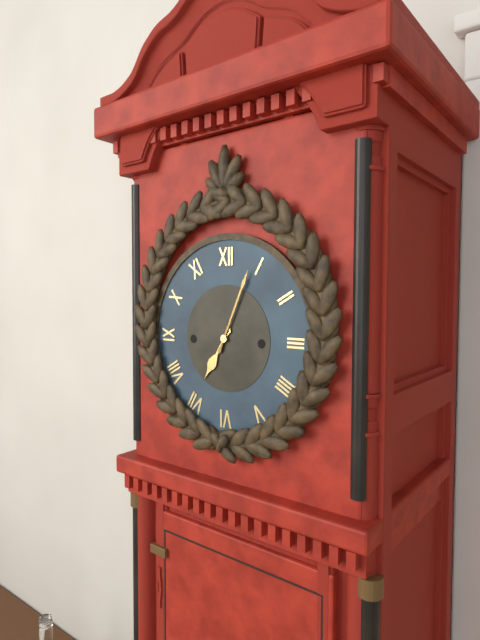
{"hour": 7, "minute": 4}
